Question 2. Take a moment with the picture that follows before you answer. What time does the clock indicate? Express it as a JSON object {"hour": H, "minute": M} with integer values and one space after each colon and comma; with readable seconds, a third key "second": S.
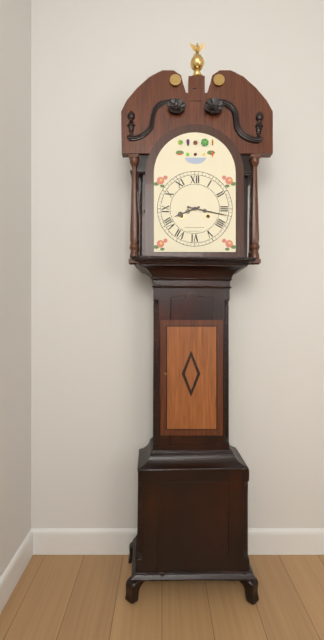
{"hour": 8, "minute": 17}
